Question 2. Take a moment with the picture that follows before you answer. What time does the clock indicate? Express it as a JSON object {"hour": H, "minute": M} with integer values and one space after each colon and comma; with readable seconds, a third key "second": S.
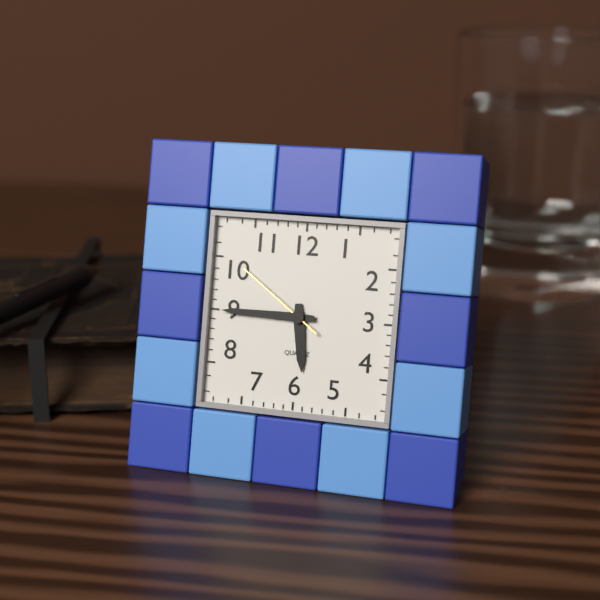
{"hour": 5, "minute": 45, "second": 51}
